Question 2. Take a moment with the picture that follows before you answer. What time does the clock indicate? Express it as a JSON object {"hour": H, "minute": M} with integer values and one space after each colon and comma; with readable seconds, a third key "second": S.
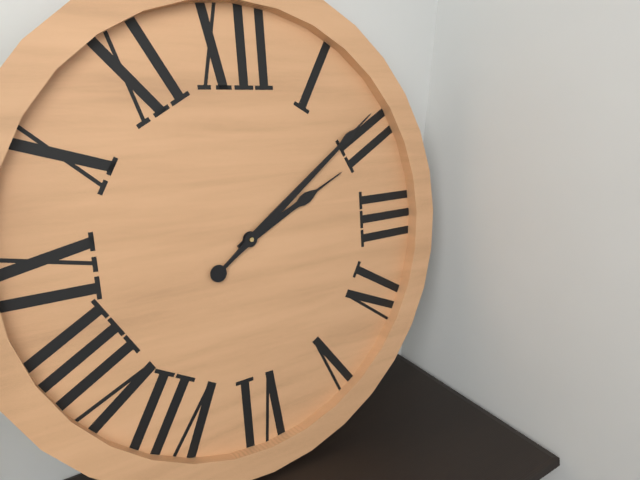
{"hour": 2, "minute": 9}
